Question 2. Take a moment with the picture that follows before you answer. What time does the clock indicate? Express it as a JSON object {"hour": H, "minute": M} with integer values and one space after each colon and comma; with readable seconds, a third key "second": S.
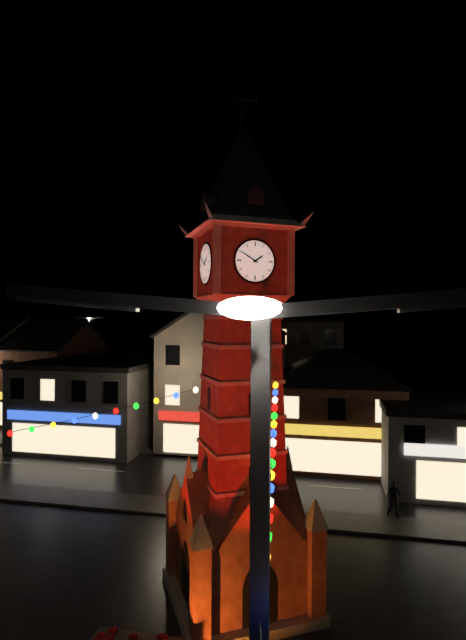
{"hour": 1, "minute": 50}
